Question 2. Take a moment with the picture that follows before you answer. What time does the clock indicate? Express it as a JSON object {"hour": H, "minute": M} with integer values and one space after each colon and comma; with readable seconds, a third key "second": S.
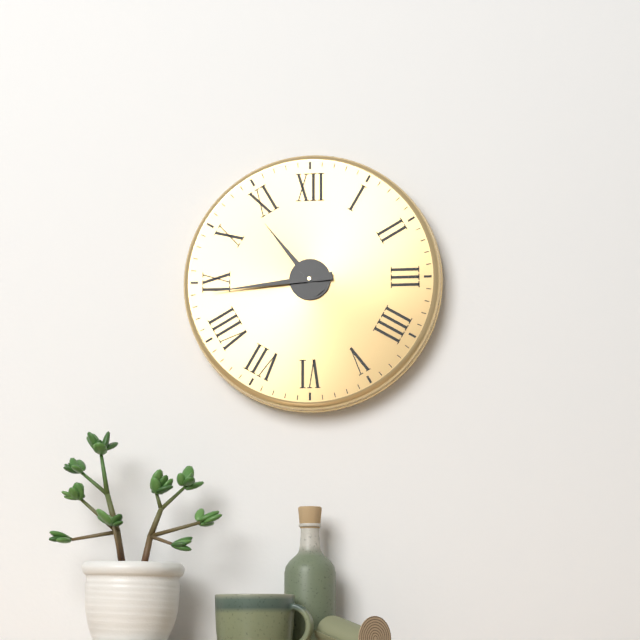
{"hour": 10, "minute": 44}
